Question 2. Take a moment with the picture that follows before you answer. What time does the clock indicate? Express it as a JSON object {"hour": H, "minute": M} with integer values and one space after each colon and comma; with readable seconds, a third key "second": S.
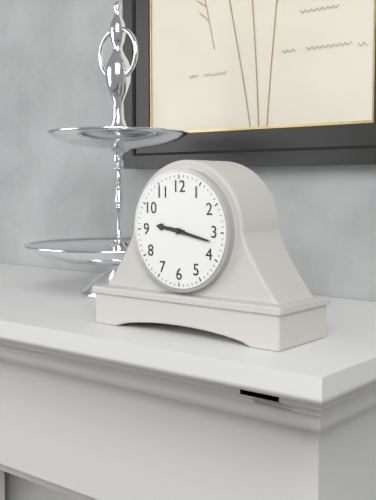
{"hour": 9, "minute": 17}
